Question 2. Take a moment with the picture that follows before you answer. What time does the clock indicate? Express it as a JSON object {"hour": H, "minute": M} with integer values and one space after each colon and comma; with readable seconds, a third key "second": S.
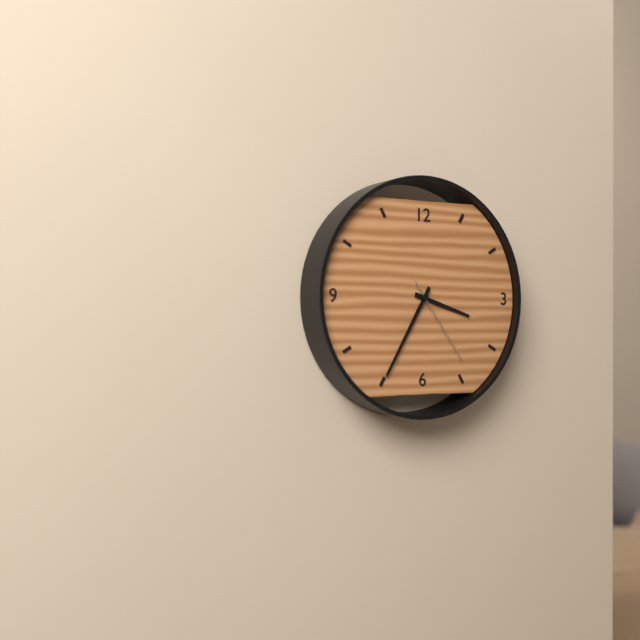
{"hour": 3, "minute": 35, "second": 24}
